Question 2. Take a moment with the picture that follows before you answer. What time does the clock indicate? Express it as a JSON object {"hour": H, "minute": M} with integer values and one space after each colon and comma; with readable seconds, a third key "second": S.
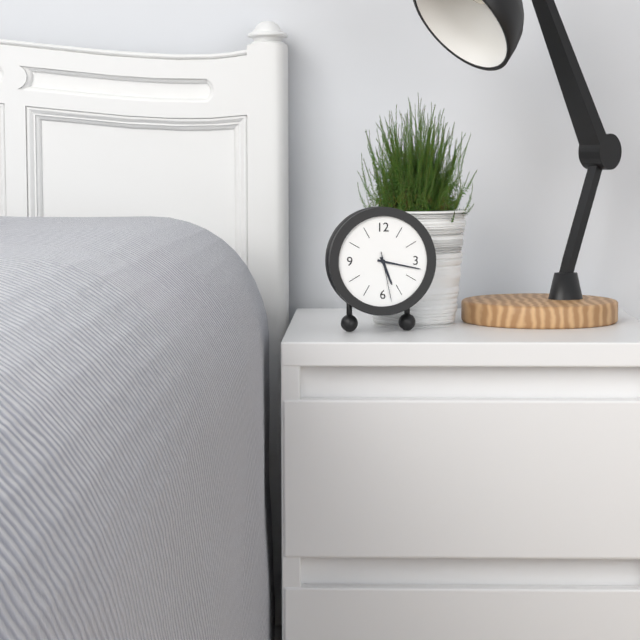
{"hour": 5, "minute": 17, "second": 28}
